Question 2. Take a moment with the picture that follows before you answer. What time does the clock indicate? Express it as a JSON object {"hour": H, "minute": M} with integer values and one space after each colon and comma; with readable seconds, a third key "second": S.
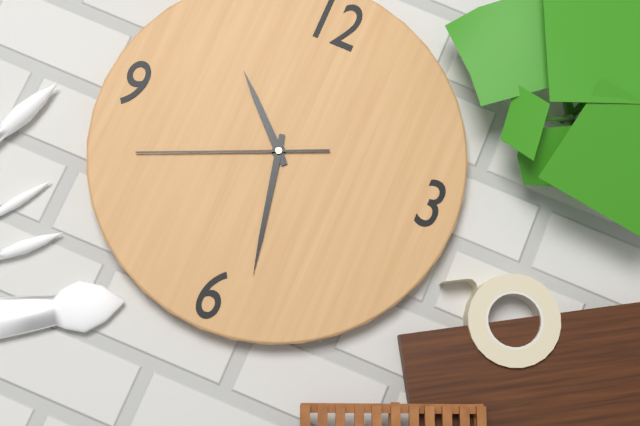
{"hour": 10, "minute": 28, "second": 41}
